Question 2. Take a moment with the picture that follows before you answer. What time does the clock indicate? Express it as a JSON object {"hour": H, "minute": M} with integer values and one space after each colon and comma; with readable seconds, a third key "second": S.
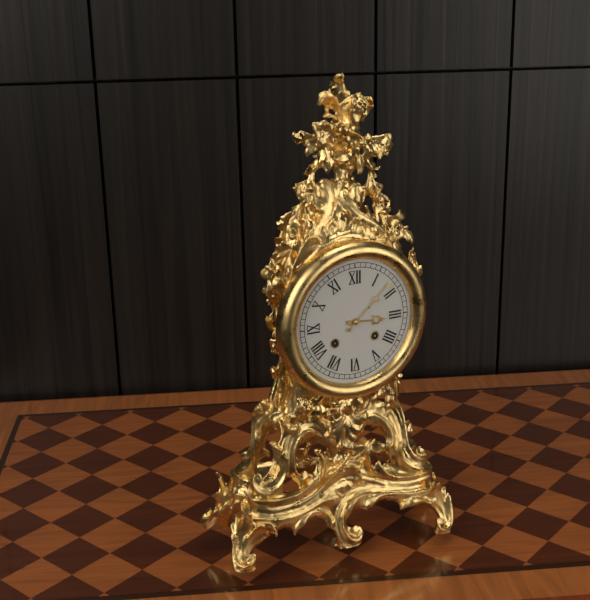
{"hour": 3, "minute": 8}
